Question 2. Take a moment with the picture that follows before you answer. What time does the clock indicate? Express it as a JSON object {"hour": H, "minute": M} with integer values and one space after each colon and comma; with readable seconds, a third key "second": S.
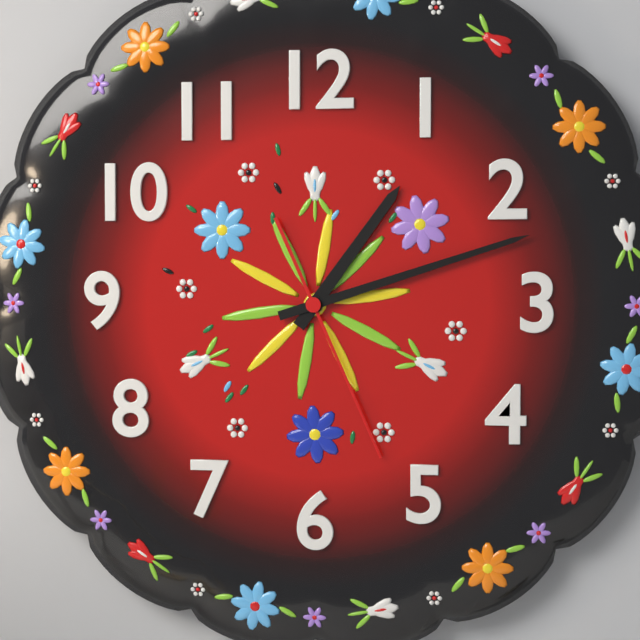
{"hour": 1, "minute": 12, "second": 26}
